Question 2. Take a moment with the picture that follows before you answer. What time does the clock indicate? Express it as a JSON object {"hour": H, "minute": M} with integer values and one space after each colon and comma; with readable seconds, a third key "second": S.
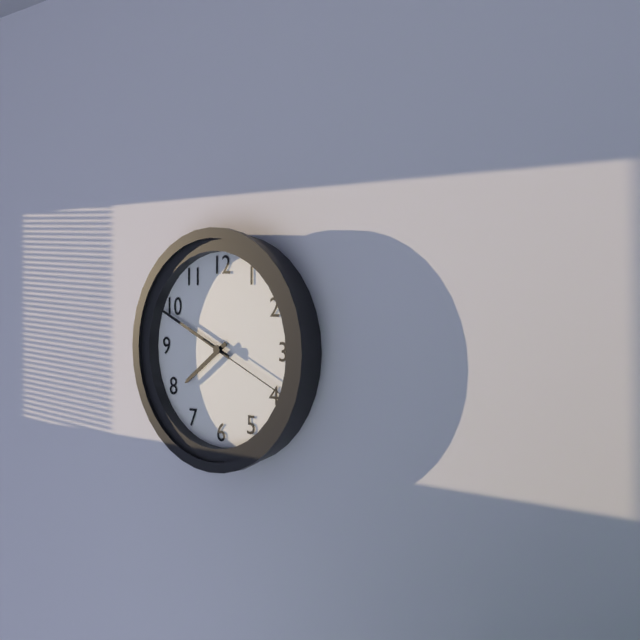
{"hour": 7, "minute": 49, "second": 19}
